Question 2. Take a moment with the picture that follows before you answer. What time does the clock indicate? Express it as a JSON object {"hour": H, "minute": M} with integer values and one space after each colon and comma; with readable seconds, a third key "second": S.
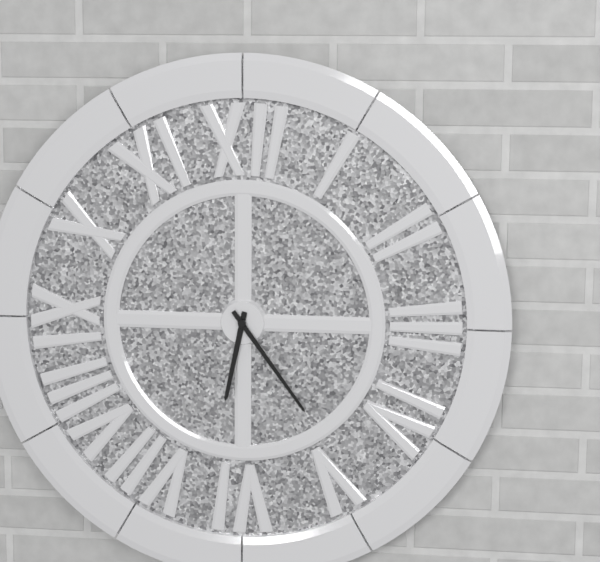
{"hour": 6, "minute": 24}
